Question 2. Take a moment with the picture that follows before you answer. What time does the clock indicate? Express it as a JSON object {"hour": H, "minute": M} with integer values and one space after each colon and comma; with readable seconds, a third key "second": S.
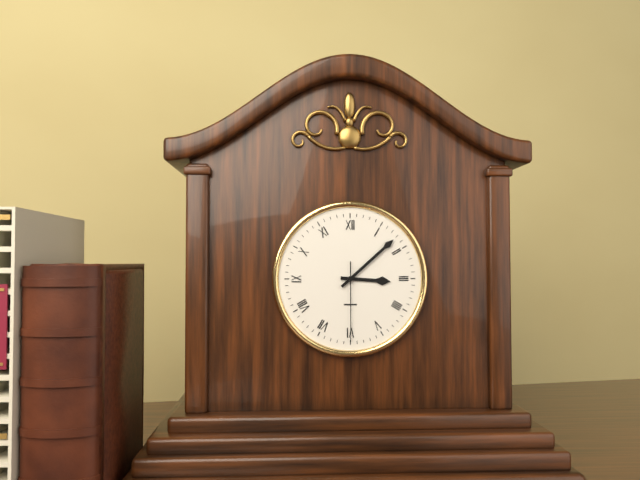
{"hour": 3, "minute": 8, "second": 30}
